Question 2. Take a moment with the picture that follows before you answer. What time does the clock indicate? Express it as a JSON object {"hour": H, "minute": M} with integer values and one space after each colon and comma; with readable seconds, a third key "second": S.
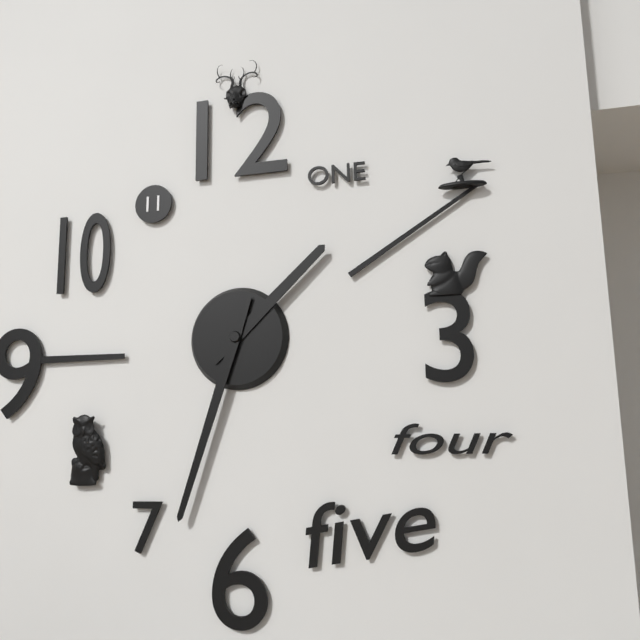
{"hour": 1, "minute": 33}
